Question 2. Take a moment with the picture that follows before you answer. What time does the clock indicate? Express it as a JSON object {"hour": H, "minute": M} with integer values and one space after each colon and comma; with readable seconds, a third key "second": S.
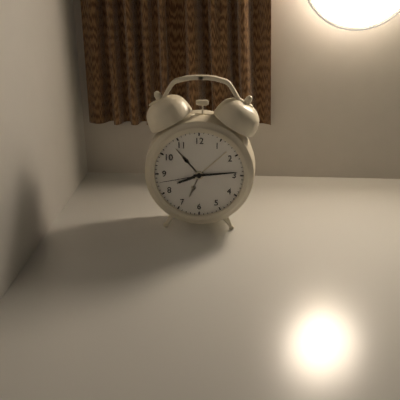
{"hour": 8, "minute": 14, "second": 43}
